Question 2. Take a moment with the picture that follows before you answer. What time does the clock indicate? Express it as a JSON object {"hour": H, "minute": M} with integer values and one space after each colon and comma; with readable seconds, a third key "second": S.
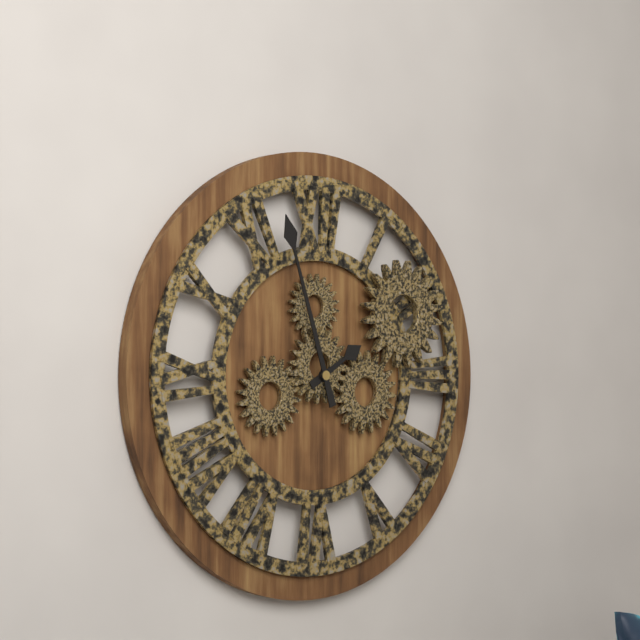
{"hour": 1, "minute": 57}
